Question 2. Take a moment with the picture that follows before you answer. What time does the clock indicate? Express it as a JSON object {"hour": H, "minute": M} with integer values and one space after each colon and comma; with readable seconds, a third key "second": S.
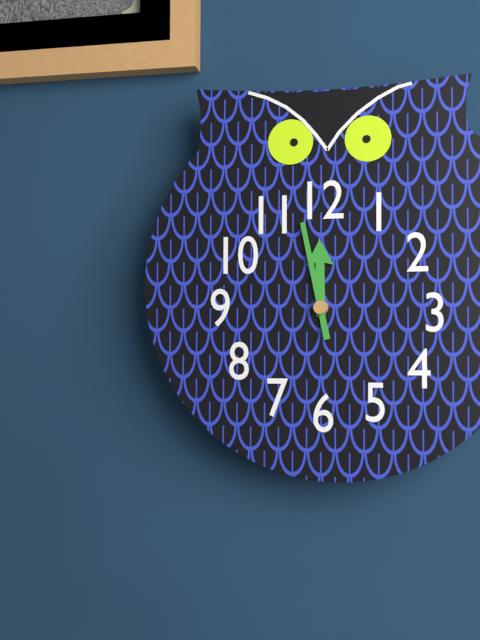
{"hour": 11, "minute": 58}
